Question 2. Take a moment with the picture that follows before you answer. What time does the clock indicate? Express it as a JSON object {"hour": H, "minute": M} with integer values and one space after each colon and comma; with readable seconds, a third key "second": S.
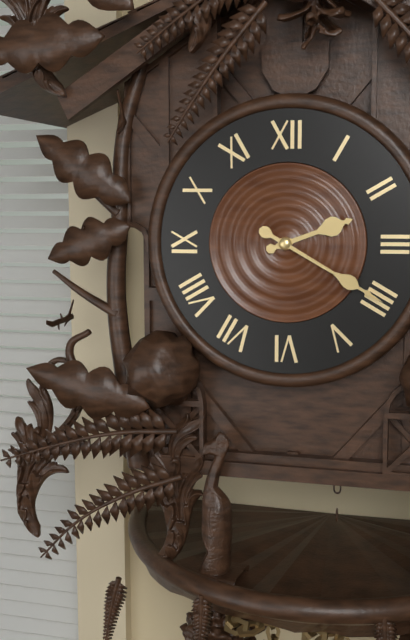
{"hour": 2, "minute": 20}
